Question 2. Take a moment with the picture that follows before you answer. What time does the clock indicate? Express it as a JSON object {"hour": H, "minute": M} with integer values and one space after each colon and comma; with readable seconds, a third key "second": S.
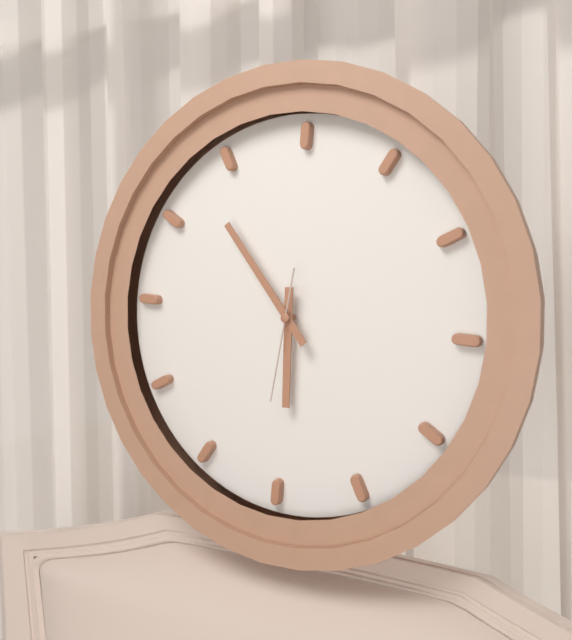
{"hour": 5, "minute": 53, "second": 31}
